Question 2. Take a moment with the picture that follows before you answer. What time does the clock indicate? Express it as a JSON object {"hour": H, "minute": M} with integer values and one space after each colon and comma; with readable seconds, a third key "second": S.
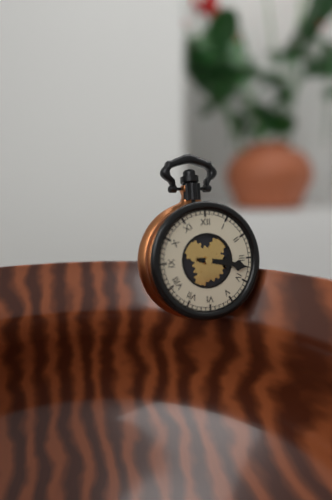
{"hour": 3, "minute": 17}
